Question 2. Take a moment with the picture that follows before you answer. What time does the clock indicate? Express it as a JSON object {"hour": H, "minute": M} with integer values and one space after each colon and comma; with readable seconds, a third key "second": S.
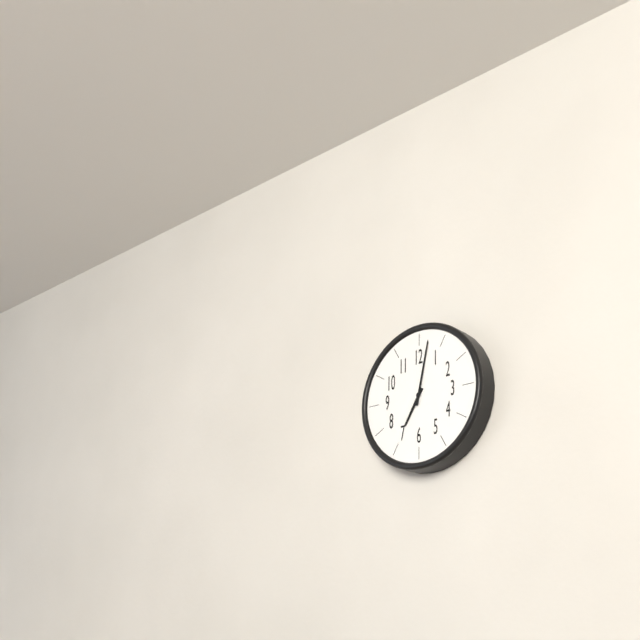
{"hour": 7, "minute": 2}
